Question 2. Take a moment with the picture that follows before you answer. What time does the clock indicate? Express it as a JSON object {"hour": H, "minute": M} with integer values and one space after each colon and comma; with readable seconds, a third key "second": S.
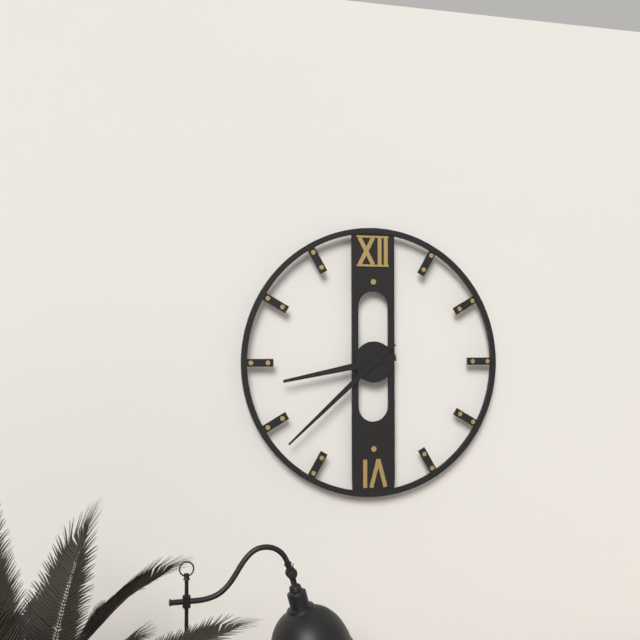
{"hour": 8, "minute": 38}
